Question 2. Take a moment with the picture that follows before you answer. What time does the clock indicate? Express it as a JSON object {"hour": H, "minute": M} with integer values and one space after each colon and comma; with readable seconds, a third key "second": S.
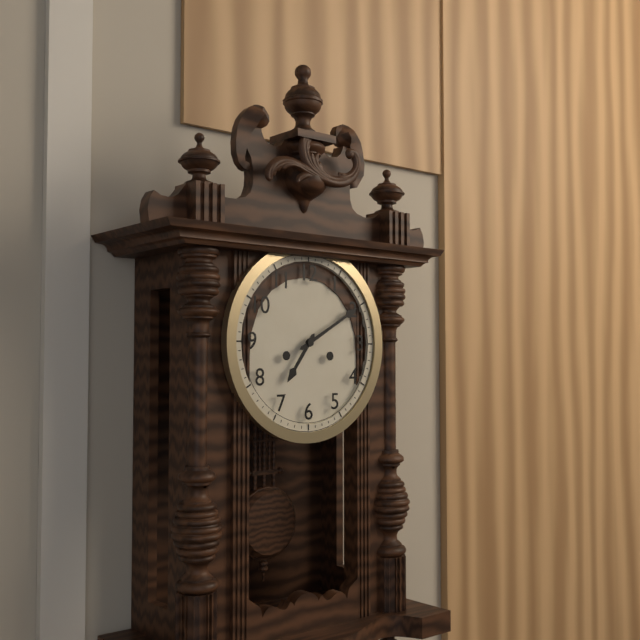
{"hour": 7, "minute": 10}
